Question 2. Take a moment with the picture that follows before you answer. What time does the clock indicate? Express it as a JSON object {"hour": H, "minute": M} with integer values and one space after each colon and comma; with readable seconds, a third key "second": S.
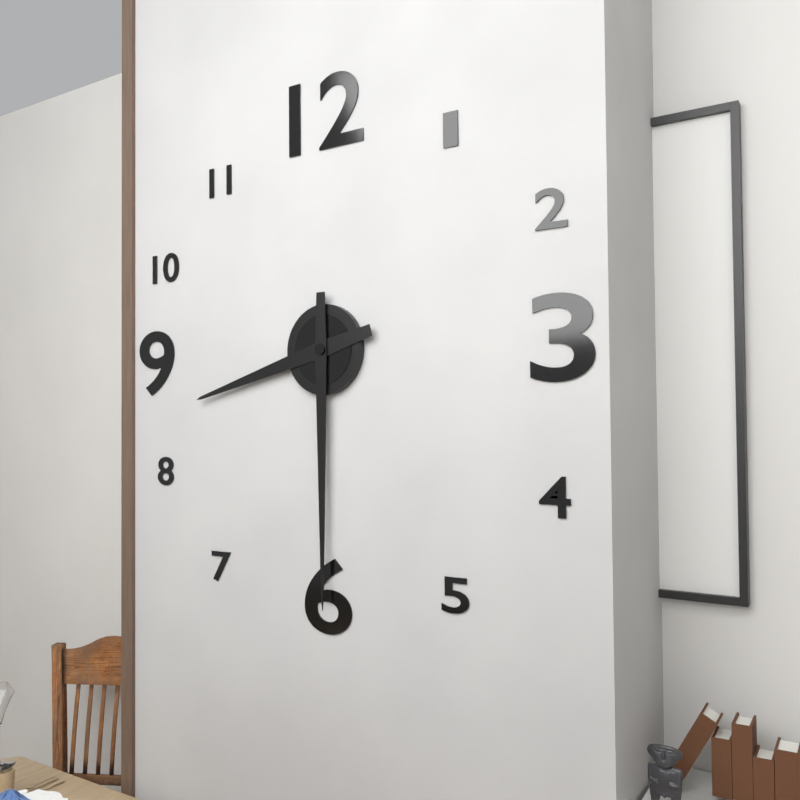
{"hour": 8, "minute": 30}
